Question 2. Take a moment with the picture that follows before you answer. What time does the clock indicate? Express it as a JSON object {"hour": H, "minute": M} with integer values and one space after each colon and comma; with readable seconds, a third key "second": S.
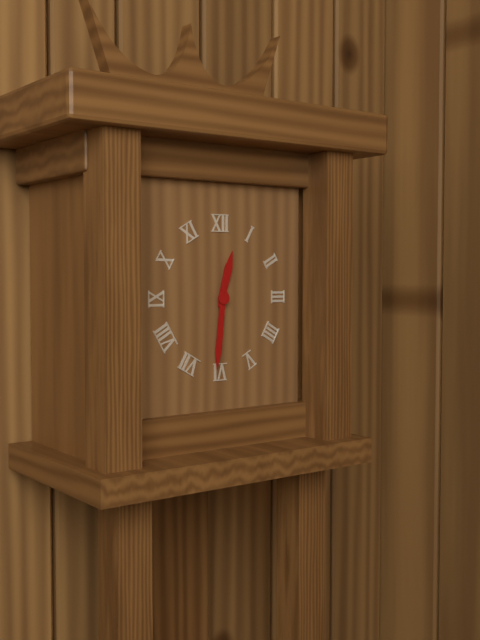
{"hour": 12, "minute": 31}
